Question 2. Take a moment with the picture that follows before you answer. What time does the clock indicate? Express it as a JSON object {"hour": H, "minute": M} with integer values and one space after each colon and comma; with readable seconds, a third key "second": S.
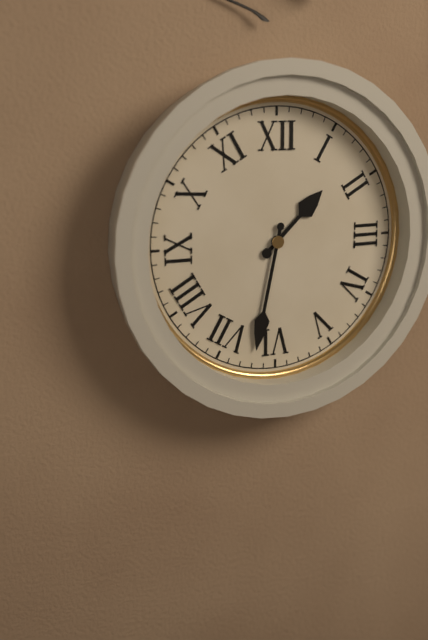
{"hour": 1, "minute": 32}
